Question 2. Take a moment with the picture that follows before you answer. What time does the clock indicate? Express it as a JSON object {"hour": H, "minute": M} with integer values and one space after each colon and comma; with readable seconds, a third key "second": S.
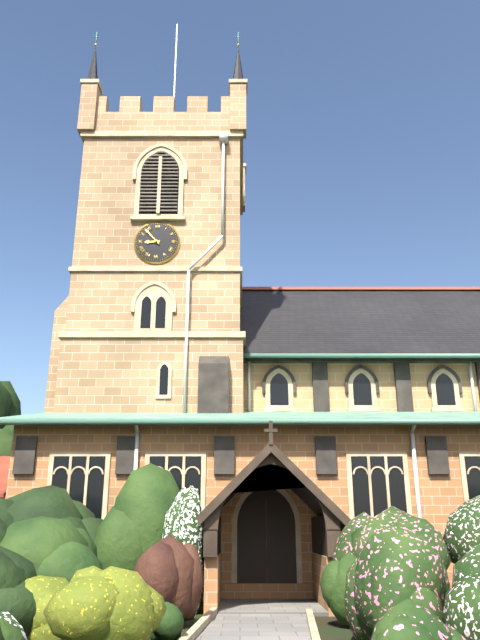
{"hour": 8, "minute": 53}
